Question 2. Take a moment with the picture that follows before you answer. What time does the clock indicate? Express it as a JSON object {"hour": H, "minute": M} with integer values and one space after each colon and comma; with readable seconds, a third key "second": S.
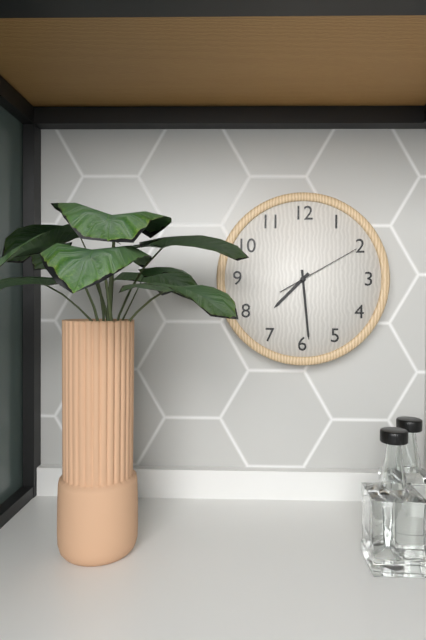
{"hour": 7, "minute": 29, "second": 10}
